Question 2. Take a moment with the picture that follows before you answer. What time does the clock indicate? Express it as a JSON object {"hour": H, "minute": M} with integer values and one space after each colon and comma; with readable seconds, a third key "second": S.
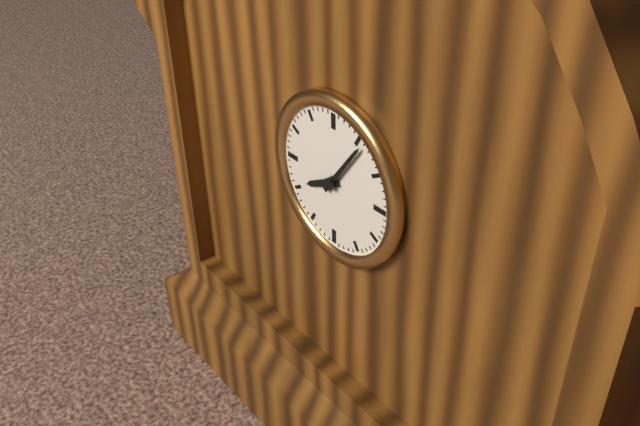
{"hour": 8, "minute": 6}
